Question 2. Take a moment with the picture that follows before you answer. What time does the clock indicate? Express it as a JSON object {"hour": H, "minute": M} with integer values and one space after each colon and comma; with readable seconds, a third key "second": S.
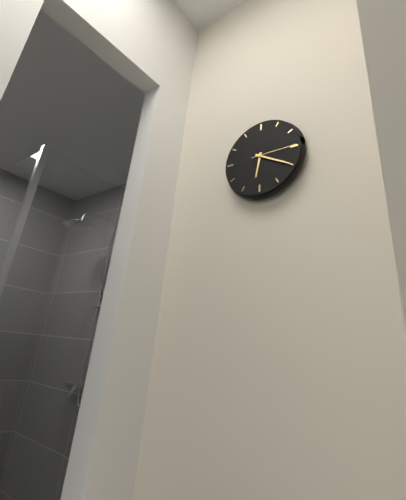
{"hour": 6, "minute": 20}
